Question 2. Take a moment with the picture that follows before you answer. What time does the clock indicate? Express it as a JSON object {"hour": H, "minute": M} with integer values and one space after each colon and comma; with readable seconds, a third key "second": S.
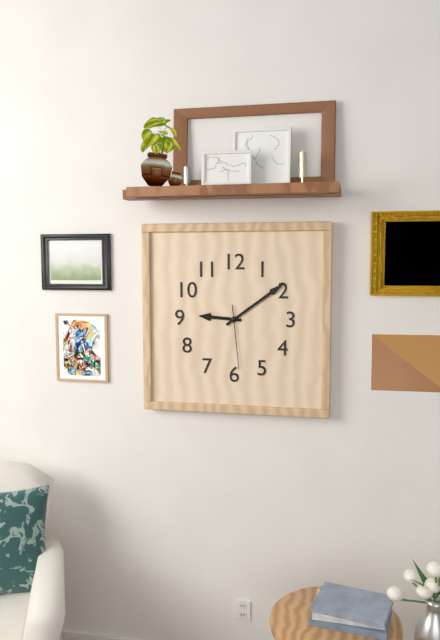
{"hour": 9, "minute": 9, "second": 29}
